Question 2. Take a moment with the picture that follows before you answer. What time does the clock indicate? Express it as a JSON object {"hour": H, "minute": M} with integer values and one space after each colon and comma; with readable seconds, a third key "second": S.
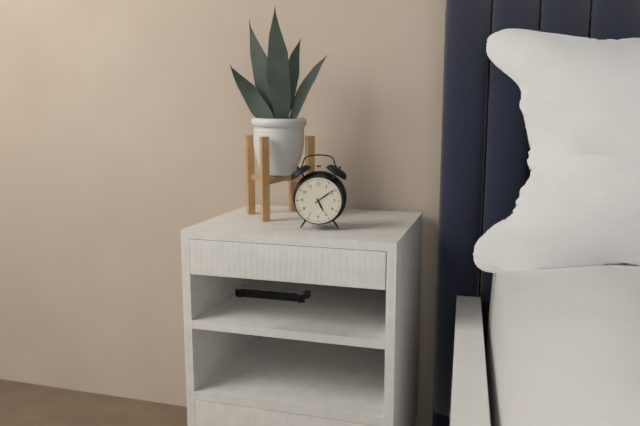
{"hour": 5, "minute": 9}
